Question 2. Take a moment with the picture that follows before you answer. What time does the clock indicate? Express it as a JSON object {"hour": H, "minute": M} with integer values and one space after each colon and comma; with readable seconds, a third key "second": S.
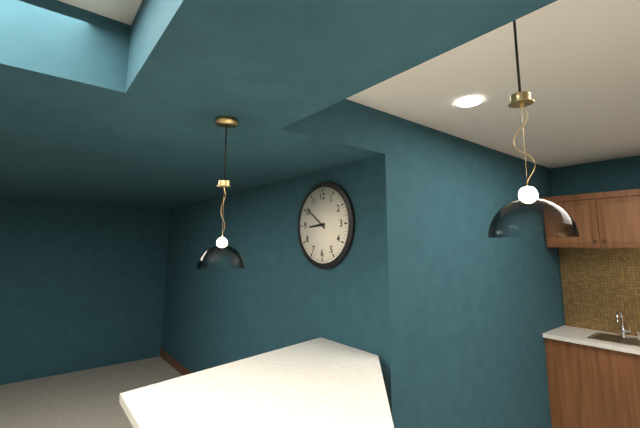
{"hour": 8, "minute": 51}
